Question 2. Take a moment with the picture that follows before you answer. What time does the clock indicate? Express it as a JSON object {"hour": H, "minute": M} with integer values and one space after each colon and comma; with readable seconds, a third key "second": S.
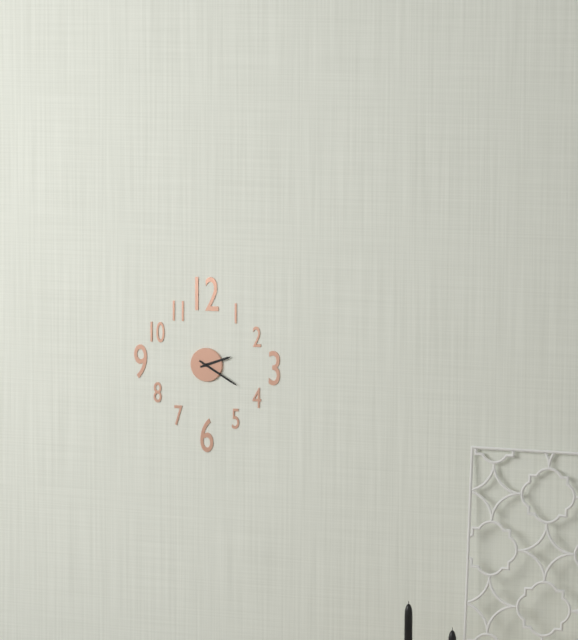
{"hour": 2, "minute": 20}
